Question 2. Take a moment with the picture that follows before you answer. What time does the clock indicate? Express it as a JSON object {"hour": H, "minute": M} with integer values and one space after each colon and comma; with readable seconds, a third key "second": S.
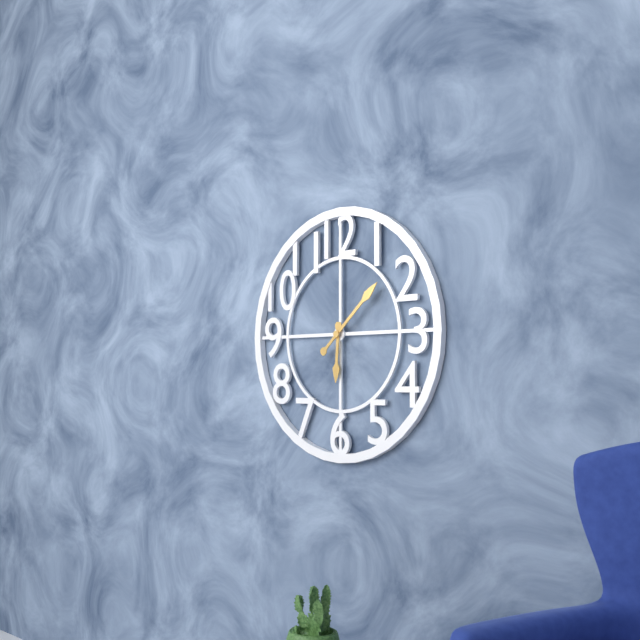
{"hour": 6, "minute": 8}
